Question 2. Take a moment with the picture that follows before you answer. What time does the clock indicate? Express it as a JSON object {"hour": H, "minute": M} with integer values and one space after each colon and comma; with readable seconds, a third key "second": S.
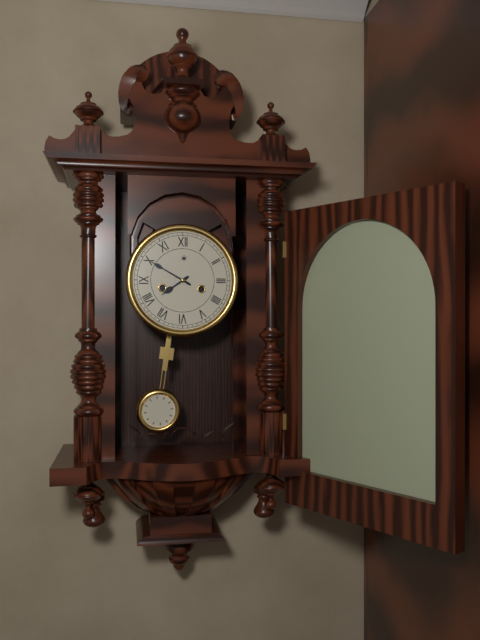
{"hour": 7, "minute": 50}
